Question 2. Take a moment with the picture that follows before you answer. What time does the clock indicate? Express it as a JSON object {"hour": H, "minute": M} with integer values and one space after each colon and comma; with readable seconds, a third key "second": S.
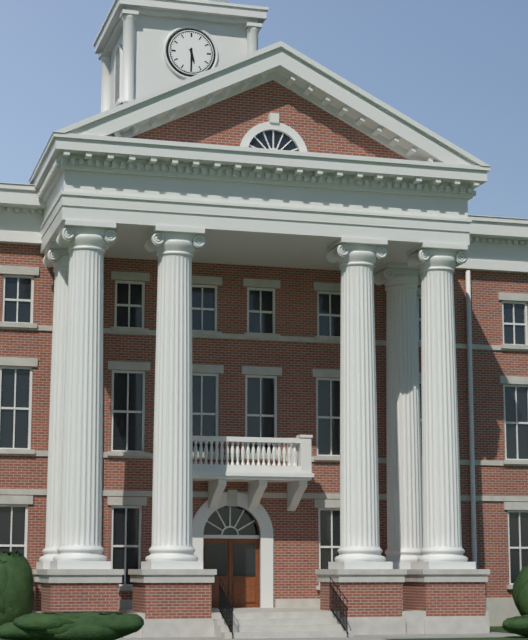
{"hour": 5, "minute": 30}
